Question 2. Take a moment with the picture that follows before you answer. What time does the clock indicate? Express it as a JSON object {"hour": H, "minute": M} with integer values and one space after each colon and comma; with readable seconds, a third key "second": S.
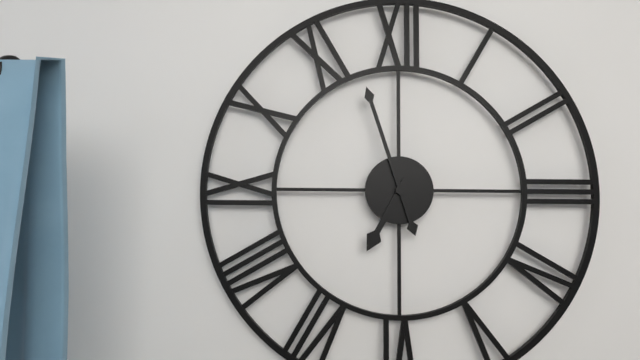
{"hour": 6, "minute": 57}
